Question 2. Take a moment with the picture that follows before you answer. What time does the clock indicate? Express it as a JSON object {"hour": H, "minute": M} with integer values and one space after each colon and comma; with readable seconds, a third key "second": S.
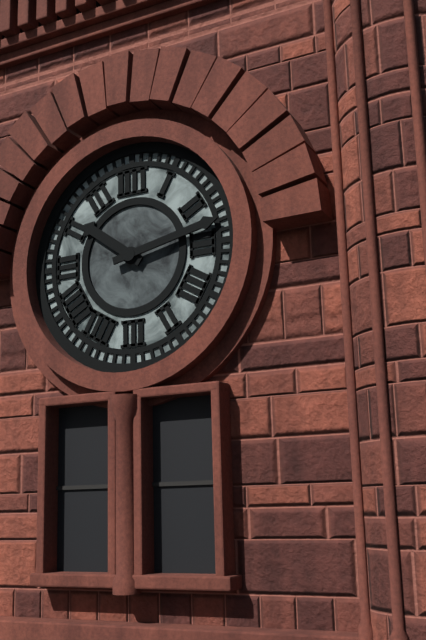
{"hour": 10, "minute": 13}
